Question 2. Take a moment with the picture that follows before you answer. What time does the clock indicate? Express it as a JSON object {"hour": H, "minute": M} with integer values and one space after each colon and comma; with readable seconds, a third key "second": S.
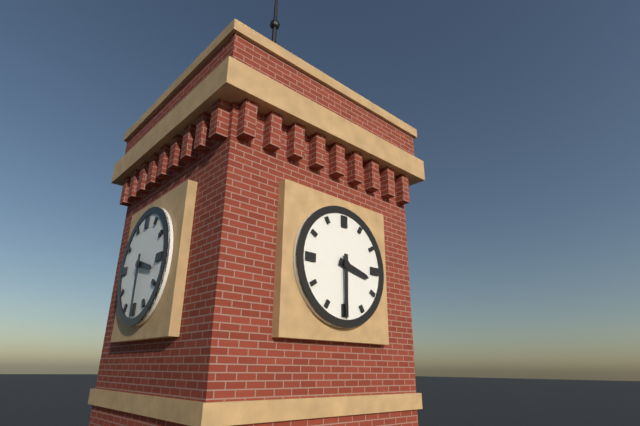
{"hour": 3, "minute": 30}
